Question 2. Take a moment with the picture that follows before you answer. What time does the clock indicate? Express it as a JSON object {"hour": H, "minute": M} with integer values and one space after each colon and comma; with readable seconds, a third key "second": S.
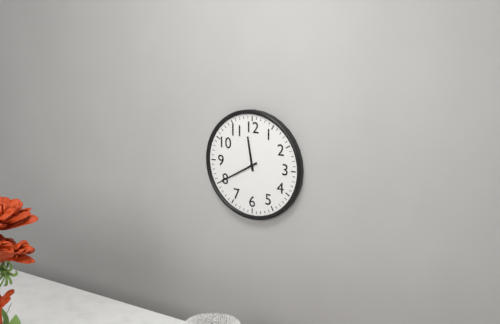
{"hour": 11, "minute": 40}
